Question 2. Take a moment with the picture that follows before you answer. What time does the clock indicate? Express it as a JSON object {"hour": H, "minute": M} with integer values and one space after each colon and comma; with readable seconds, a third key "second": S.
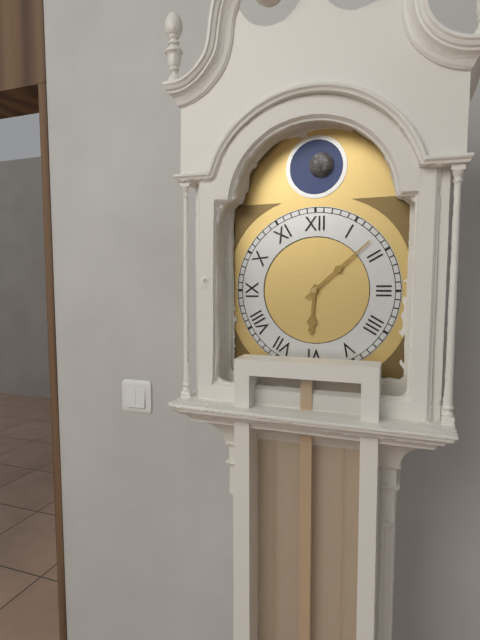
{"hour": 6, "minute": 8}
